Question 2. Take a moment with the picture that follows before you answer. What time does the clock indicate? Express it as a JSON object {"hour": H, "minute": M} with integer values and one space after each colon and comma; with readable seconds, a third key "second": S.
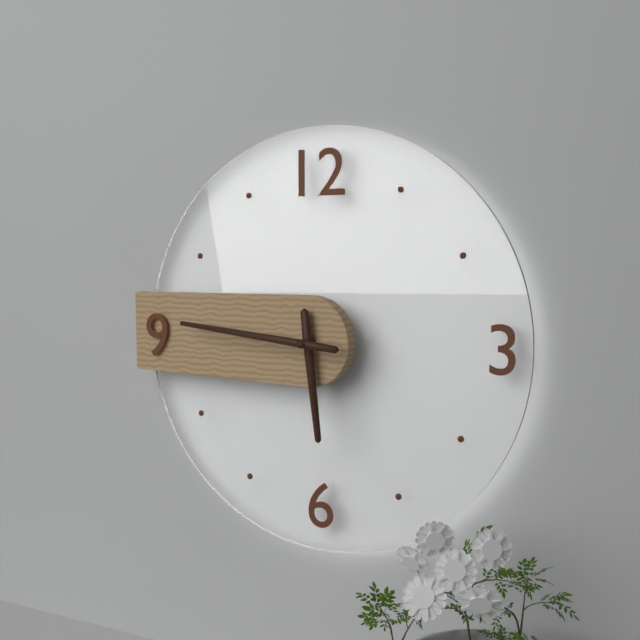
{"hour": 5, "minute": 46}
